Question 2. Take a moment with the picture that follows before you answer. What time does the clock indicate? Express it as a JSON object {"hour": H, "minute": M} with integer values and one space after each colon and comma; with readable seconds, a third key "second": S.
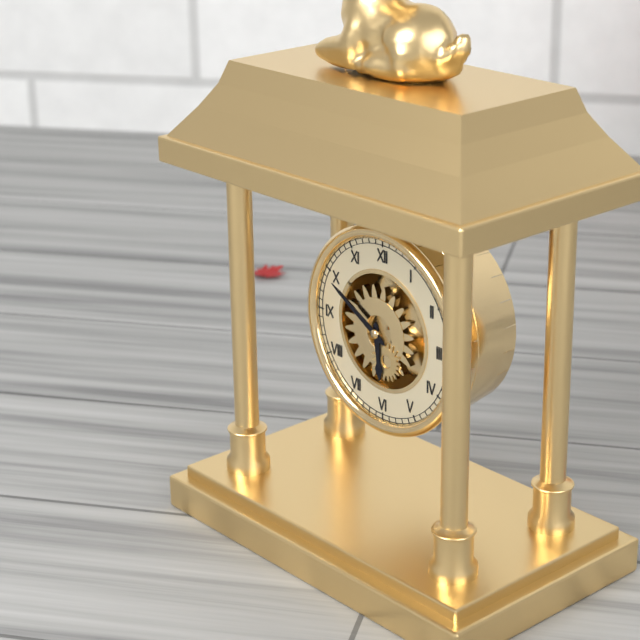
{"hour": 5, "minute": 50}
